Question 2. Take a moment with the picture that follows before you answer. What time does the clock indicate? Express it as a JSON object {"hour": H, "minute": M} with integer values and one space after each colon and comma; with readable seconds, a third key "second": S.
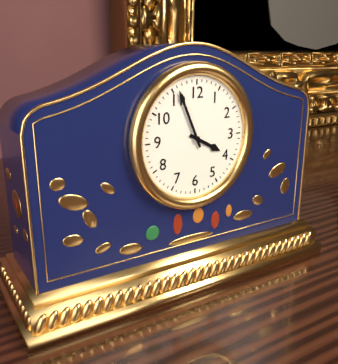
{"hour": 3, "minute": 56}
